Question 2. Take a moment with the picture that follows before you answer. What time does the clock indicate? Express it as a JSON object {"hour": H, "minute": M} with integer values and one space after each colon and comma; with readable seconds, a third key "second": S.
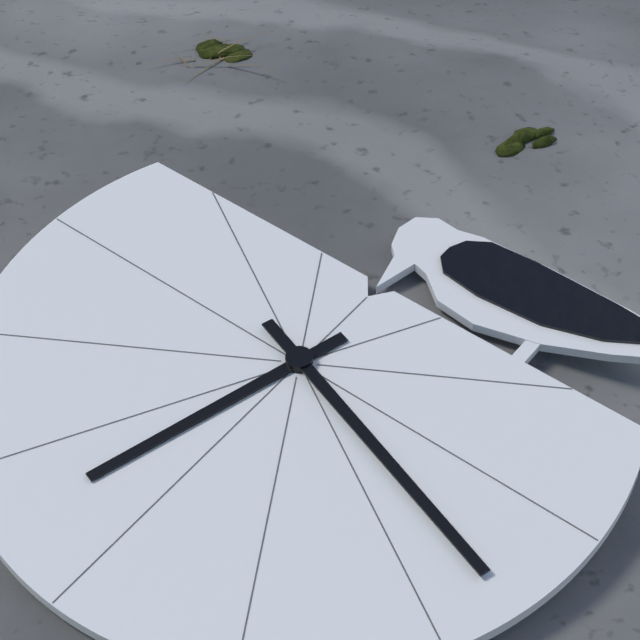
{"hour": 9, "minute": 33}
